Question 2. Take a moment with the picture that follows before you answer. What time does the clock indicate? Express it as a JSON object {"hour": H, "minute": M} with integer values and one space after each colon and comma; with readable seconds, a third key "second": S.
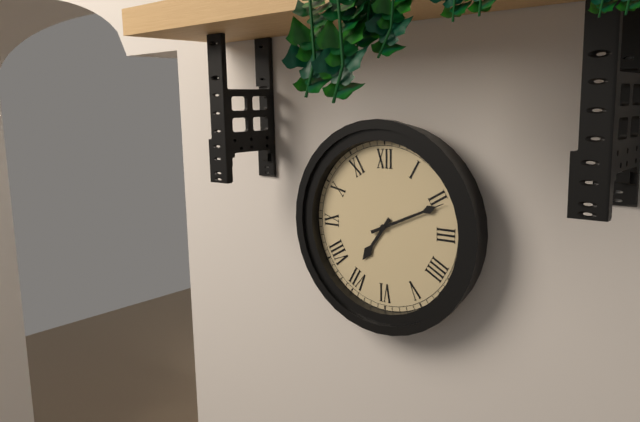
{"hour": 7, "minute": 11}
